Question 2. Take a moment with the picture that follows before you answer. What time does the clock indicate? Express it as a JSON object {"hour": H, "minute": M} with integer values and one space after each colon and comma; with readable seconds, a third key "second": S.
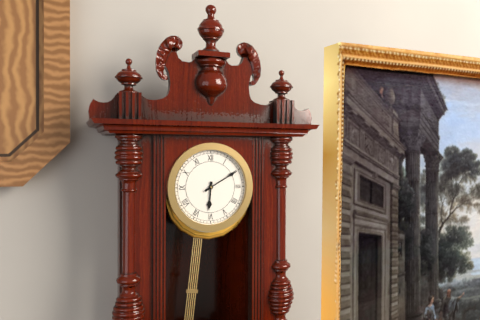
{"hour": 6, "minute": 10}
